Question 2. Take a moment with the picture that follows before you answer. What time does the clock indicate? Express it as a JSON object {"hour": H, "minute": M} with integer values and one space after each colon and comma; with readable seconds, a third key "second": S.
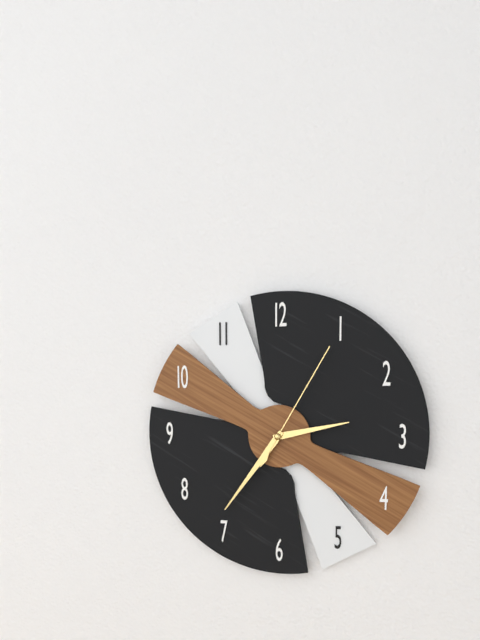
{"hour": 2, "minute": 36, "second": 5}
